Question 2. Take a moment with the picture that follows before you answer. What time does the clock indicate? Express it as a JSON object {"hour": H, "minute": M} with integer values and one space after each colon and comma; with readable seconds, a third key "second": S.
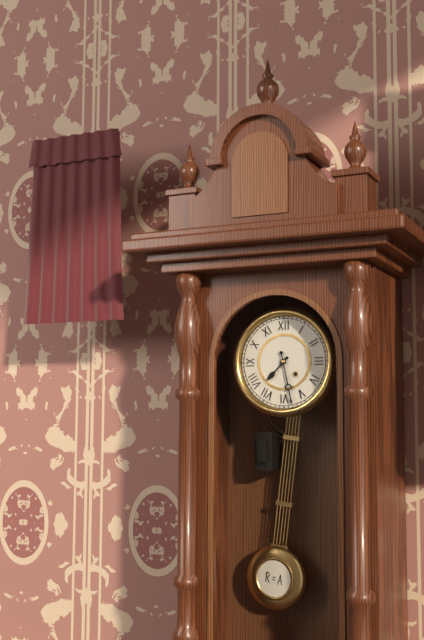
{"hour": 7, "minute": 28}
